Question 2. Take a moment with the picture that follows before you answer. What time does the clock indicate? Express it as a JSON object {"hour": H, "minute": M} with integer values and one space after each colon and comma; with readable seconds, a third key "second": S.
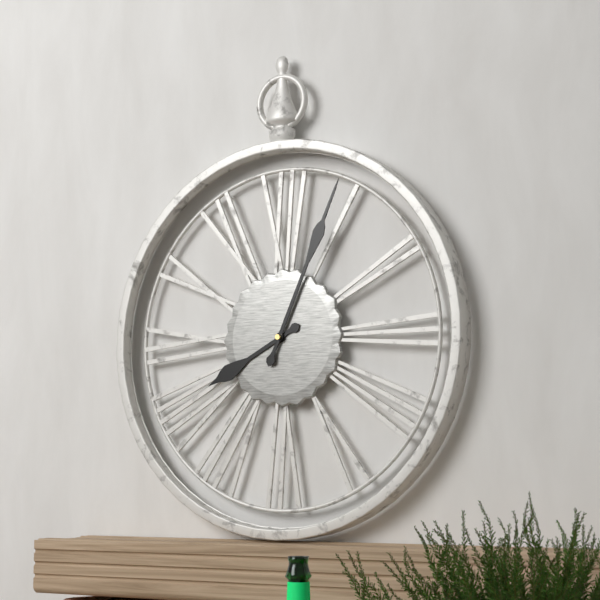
{"hour": 8, "minute": 4}
